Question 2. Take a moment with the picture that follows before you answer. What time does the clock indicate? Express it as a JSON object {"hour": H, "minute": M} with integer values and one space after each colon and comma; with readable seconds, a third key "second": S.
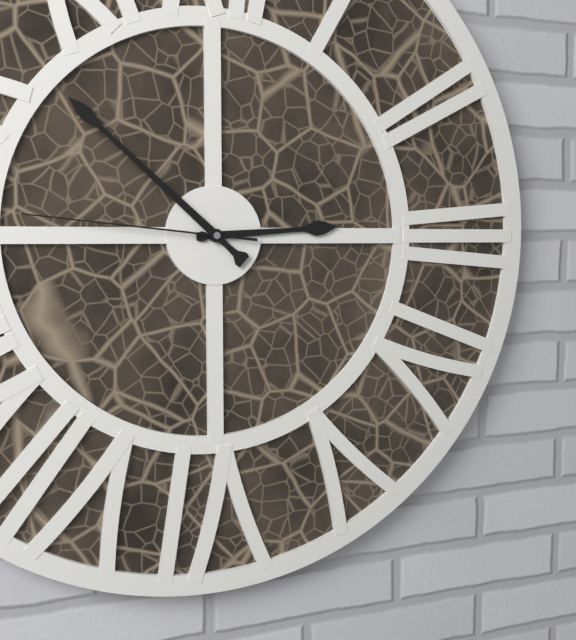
{"hour": 2, "minute": 52, "second": 46}
